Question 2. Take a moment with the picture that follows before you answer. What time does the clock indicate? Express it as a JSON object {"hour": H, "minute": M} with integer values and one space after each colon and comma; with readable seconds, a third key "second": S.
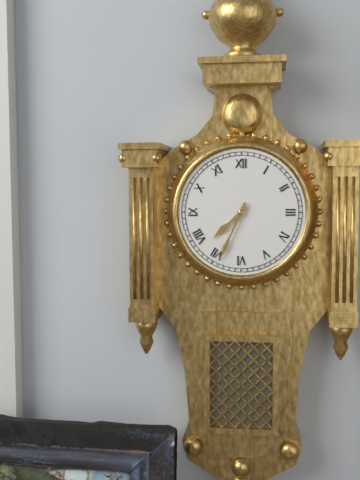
{"hour": 7, "minute": 34}
